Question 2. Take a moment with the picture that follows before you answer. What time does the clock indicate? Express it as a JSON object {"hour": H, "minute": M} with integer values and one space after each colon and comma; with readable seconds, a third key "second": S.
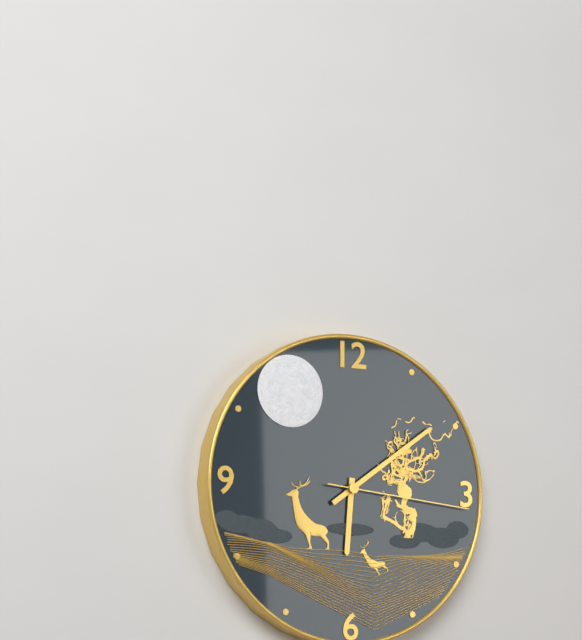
{"hour": 6, "minute": 9, "second": 16}
